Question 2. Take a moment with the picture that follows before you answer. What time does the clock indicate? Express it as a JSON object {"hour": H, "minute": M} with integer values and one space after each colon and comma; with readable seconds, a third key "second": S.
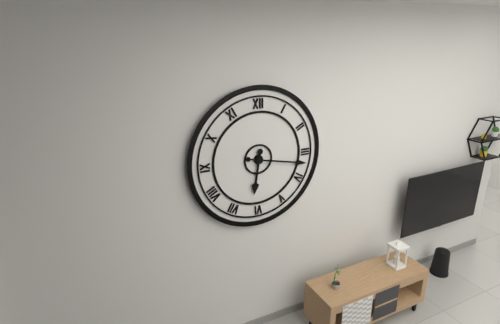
{"hour": 6, "minute": 17}
